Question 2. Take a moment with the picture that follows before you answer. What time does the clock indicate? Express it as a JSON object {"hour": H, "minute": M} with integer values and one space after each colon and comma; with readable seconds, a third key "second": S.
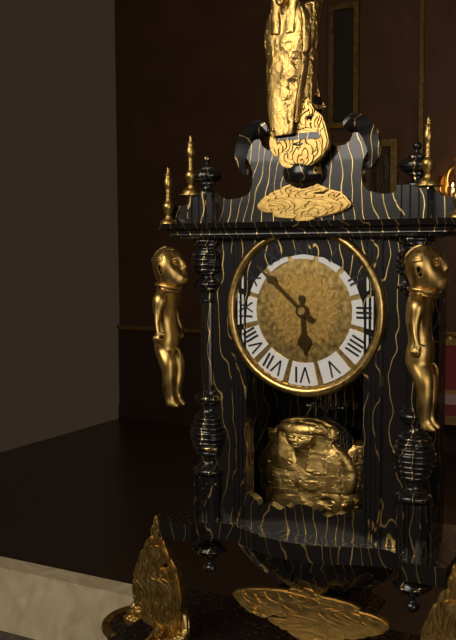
{"hour": 5, "minute": 52}
